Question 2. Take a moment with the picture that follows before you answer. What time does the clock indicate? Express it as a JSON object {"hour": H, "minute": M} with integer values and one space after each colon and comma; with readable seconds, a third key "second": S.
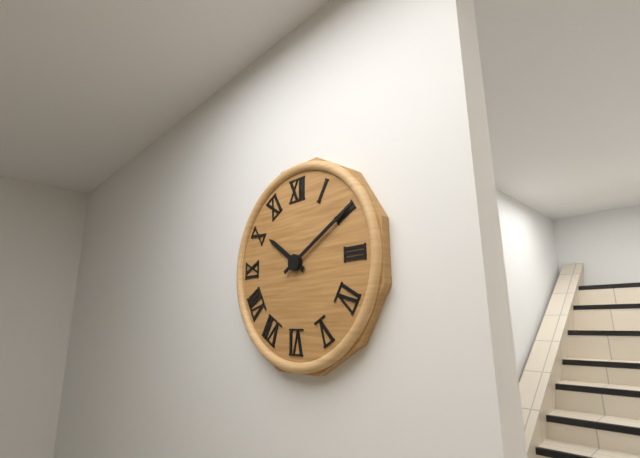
{"hour": 10, "minute": 10}
